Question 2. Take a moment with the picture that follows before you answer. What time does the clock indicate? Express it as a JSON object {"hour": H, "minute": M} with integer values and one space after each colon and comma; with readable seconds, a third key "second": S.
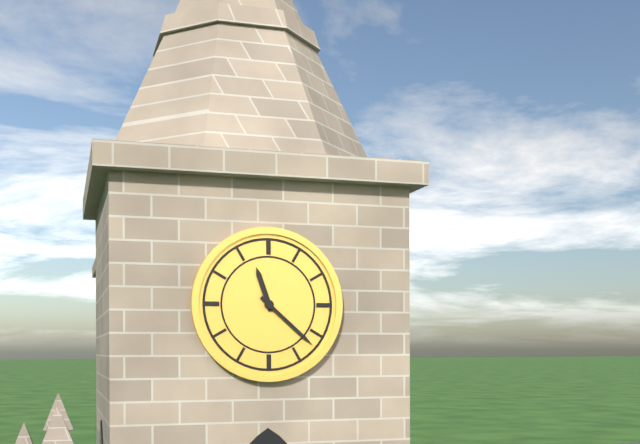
{"hour": 11, "minute": 22}
